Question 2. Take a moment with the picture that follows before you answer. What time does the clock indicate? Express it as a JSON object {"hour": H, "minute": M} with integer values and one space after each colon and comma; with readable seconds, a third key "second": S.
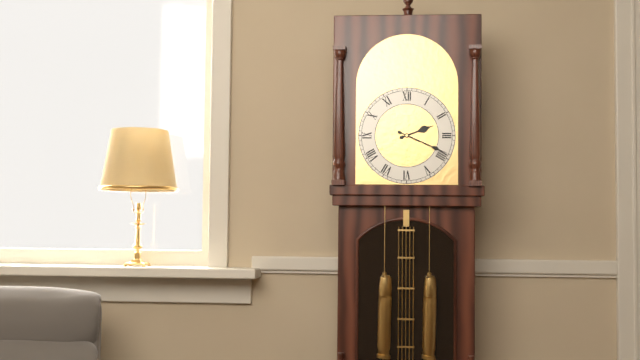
{"hour": 2, "minute": 19}
